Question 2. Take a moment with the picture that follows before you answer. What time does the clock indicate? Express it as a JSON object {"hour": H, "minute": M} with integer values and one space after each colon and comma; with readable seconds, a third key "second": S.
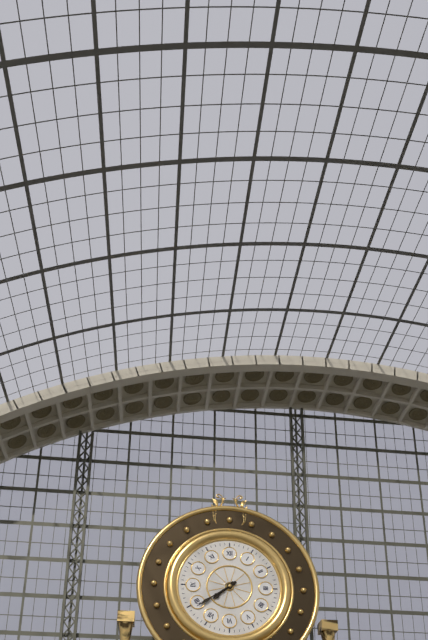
{"hour": 7, "minute": 39}
